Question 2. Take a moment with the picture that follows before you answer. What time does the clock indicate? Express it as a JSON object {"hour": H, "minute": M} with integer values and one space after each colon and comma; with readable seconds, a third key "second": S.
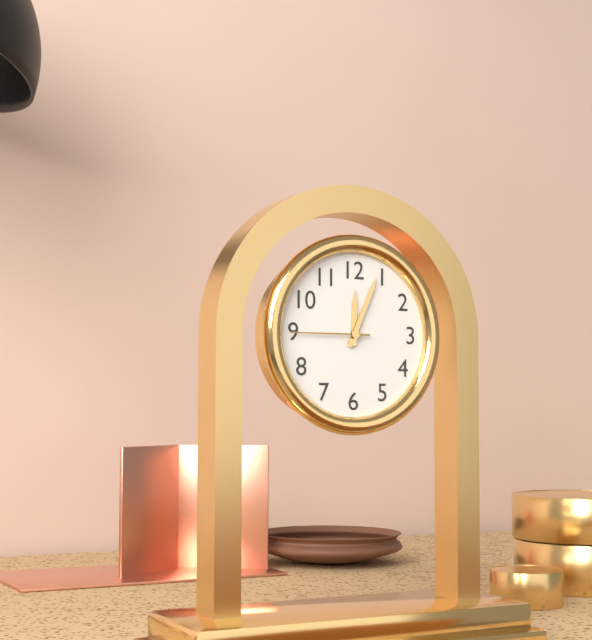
{"hour": 12, "minute": 4, "second": 45}
